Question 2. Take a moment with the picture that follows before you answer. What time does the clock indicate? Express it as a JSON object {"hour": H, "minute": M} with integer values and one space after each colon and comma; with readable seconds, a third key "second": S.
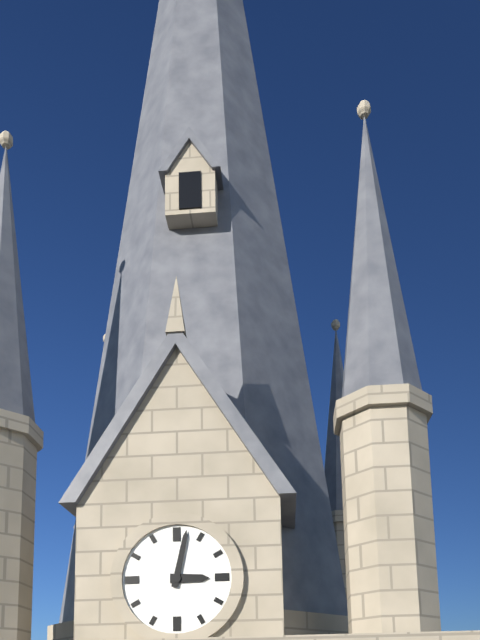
{"hour": 3, "minute": 2}
